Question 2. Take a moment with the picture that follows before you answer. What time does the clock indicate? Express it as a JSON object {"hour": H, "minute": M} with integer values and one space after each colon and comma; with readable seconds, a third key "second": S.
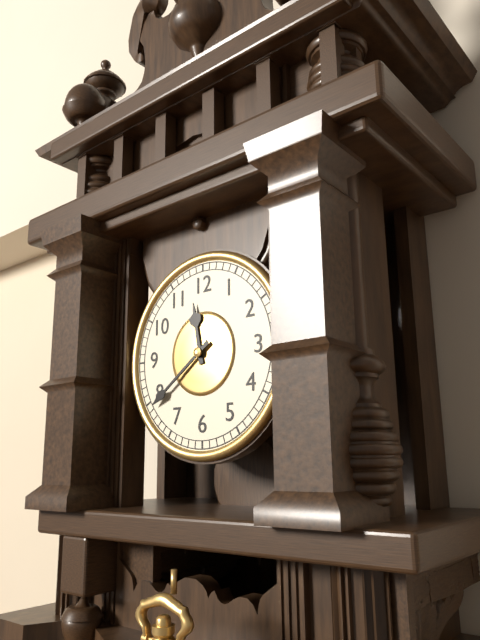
{"hour": 11, "minute": 39}
